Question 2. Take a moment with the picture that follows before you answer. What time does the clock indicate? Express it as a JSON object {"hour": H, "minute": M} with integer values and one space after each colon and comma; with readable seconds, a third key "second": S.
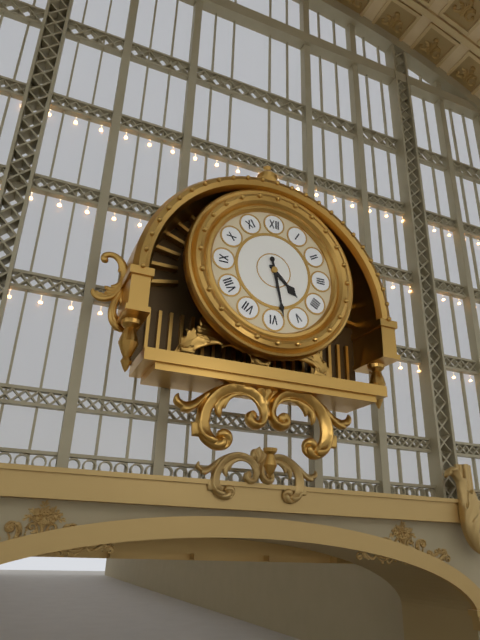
{"hour": 4, "minute": 28}
